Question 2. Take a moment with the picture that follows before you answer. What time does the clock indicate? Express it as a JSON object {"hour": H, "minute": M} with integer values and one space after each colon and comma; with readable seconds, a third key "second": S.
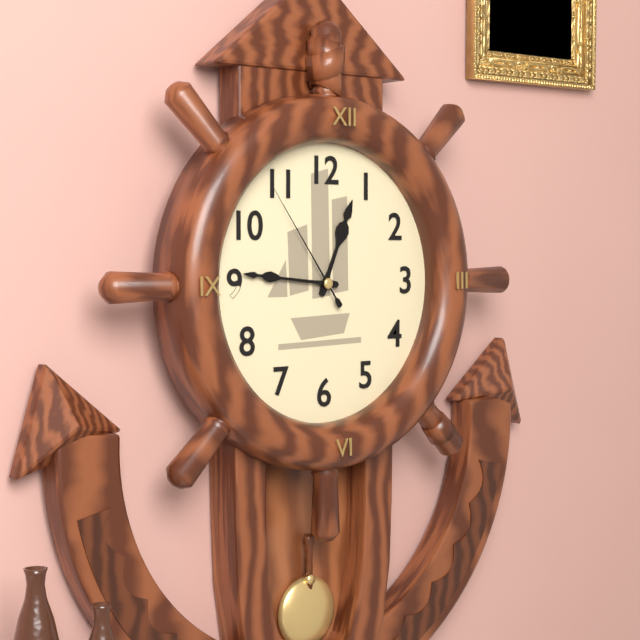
{"hour": 12, "minute": 46, "second": 54}
